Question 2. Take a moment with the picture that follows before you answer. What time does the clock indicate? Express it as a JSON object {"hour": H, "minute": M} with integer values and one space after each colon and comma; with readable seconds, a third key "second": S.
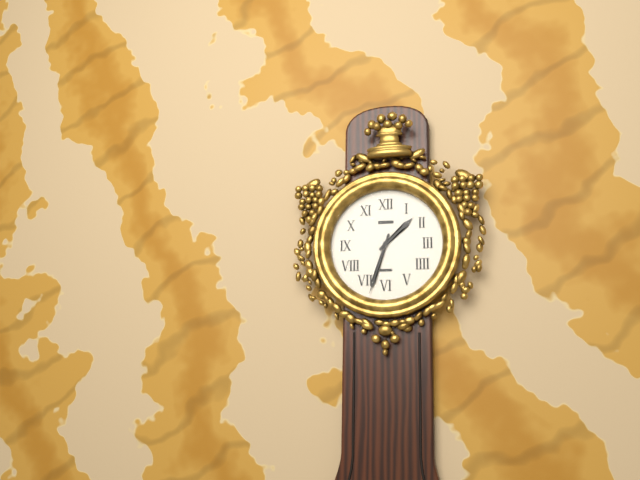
{"hour": 1, "minute": 33}
